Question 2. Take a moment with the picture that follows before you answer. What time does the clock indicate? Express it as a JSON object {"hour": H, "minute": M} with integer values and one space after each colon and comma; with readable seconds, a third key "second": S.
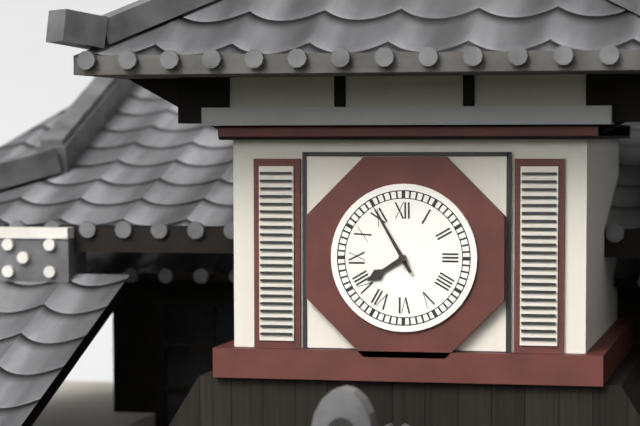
{"hour": 7, "minute": 55}
